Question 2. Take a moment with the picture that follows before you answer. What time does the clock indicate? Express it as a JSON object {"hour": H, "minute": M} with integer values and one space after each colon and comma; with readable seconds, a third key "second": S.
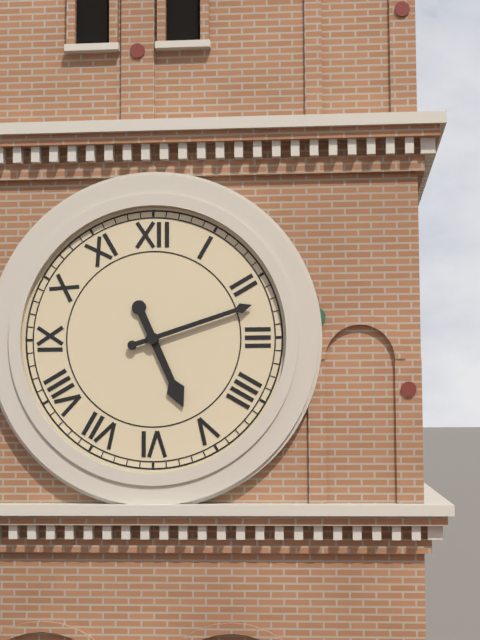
{"hour": 5, "minute": 12}
